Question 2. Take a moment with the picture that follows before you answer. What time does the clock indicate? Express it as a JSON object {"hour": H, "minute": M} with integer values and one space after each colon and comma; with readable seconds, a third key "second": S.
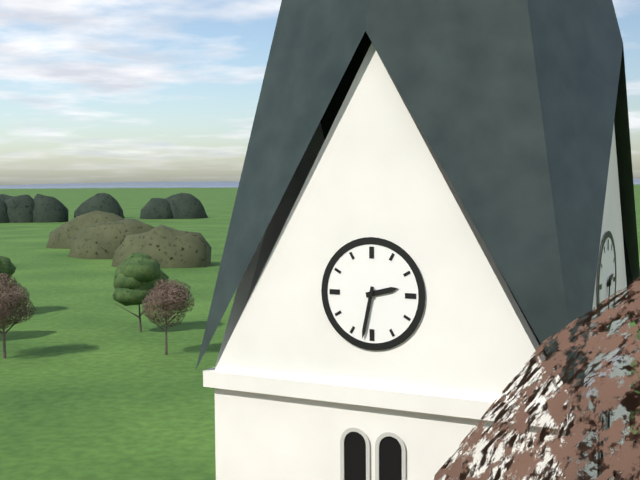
{"hour": 2, "minute": 32}
